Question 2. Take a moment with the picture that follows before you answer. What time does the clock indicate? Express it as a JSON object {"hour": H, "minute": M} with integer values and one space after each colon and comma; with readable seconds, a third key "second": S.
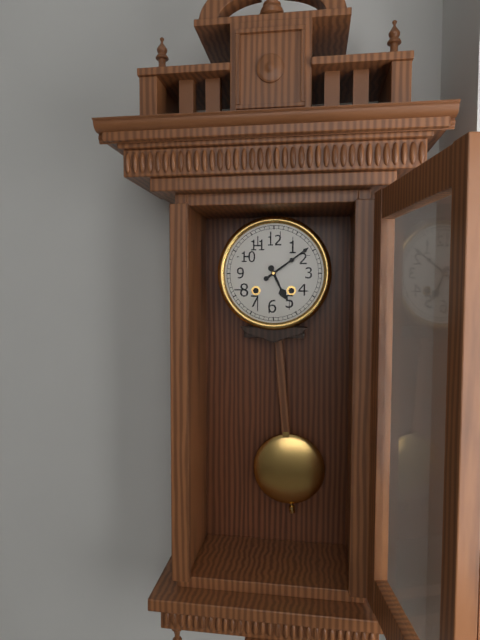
{"hour": 5, "minute": 9}
